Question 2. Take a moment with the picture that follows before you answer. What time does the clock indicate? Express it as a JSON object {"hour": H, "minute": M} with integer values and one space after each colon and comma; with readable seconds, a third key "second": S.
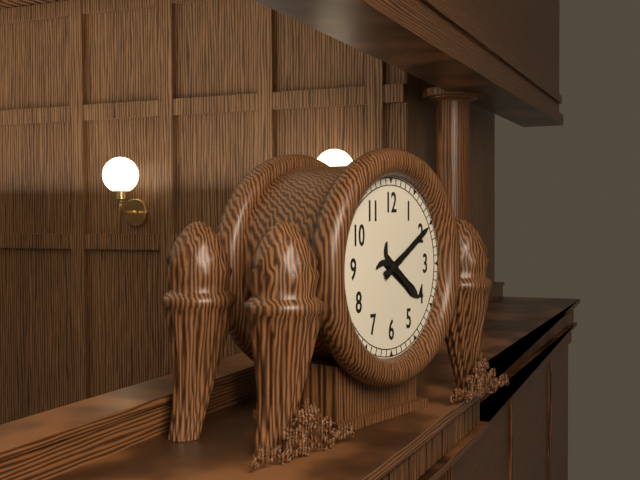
{"hour": 4, "minute": 10}
